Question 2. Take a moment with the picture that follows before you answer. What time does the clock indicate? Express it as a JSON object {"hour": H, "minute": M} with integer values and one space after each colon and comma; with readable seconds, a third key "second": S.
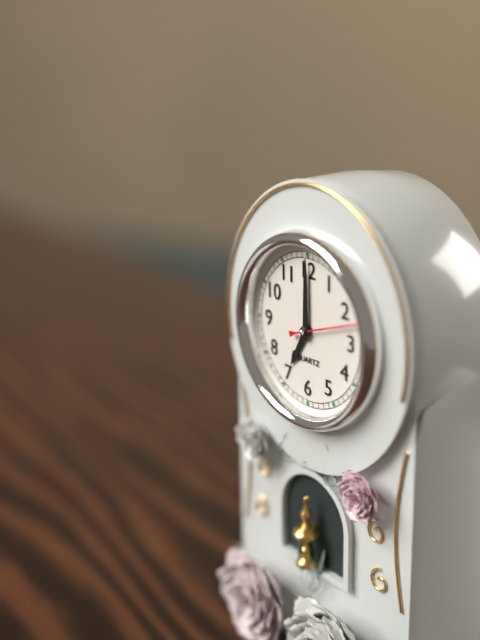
{"hour": 7, "minute": 0, "second": 12}
